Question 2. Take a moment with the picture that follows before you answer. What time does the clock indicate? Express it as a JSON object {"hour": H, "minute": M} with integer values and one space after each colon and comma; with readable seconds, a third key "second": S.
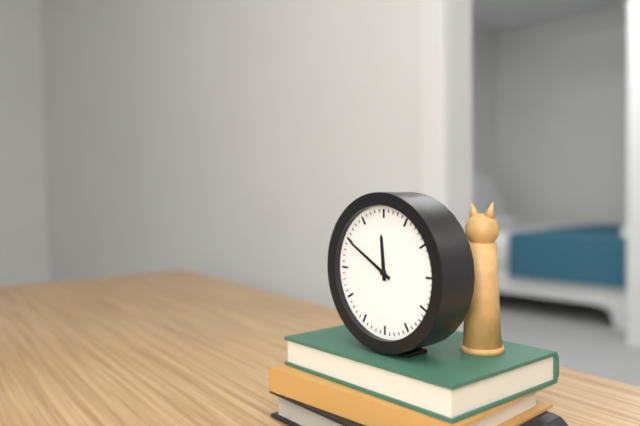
{"hour": 11, "minute": 50}
